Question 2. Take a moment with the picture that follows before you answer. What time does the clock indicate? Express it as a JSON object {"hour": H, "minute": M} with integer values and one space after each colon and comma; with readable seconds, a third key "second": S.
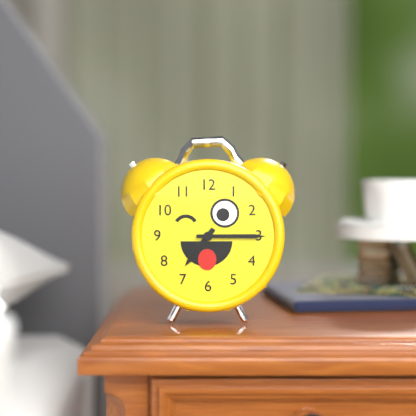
{"hour": 7, "minute": 15}
